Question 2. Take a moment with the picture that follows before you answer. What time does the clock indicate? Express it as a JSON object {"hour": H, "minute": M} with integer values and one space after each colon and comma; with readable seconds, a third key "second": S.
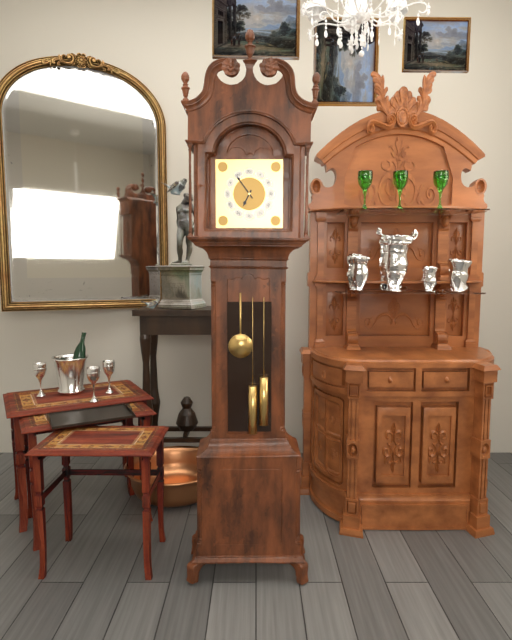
{"hour": 6, "minute": 54}
